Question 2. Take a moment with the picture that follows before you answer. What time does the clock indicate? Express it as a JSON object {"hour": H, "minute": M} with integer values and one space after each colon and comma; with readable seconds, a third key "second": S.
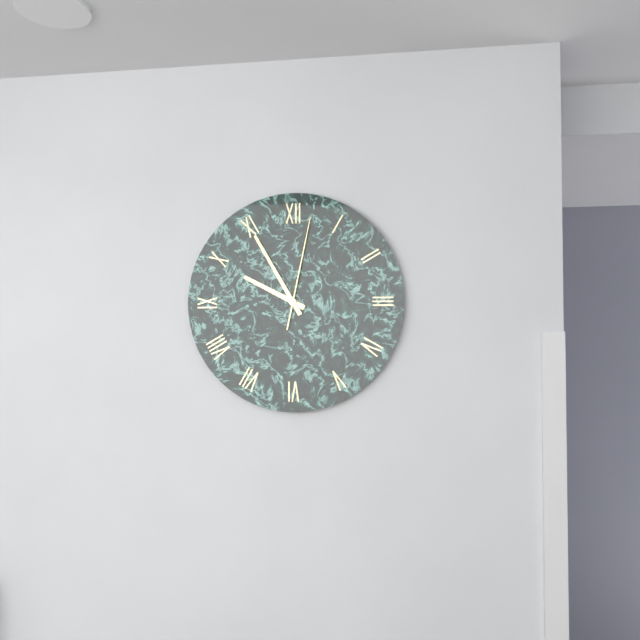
{"hour": 9, "minute": 55, "second": 2}
